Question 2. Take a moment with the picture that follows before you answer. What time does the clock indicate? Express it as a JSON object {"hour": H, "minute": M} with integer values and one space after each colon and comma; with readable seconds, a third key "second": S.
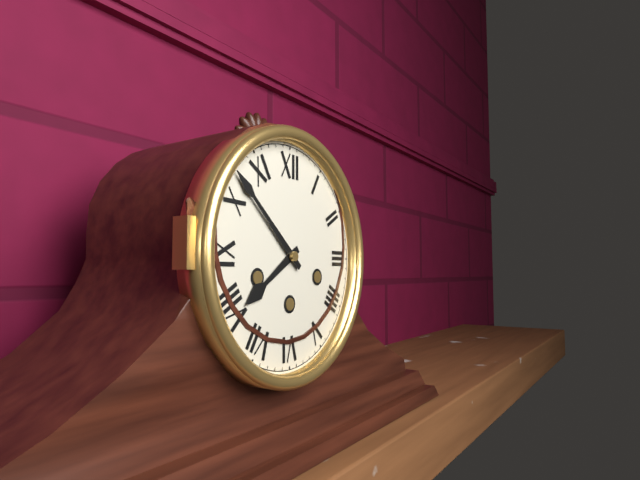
{"hour": 7, "minute": 52}
